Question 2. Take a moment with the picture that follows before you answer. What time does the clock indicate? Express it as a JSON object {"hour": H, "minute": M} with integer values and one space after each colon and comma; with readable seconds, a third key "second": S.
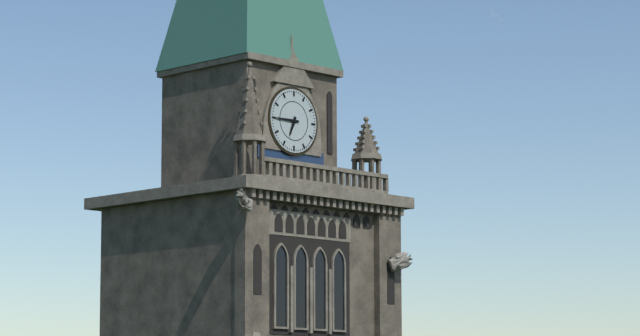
{"hour": 6, "minute": 45}
